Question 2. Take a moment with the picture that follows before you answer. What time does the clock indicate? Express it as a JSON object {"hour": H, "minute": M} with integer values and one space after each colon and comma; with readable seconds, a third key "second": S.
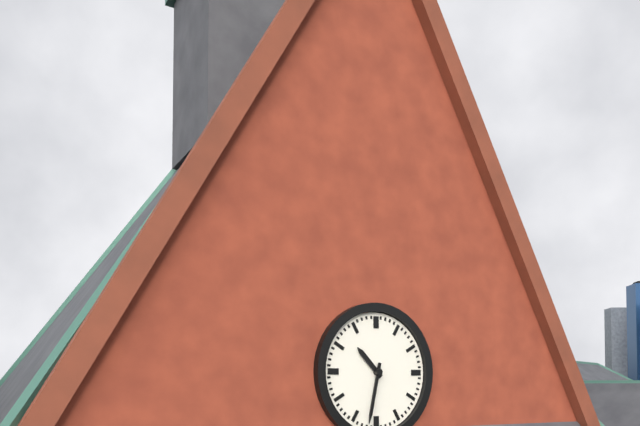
{"hour": 10, "minute": 32}
